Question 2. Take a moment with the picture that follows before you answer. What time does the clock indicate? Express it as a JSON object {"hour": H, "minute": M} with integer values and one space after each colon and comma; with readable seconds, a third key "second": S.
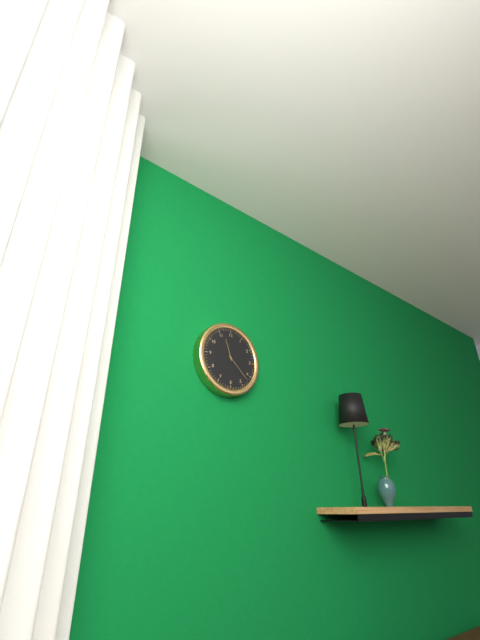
{"hour": 11, "minute": 22}
